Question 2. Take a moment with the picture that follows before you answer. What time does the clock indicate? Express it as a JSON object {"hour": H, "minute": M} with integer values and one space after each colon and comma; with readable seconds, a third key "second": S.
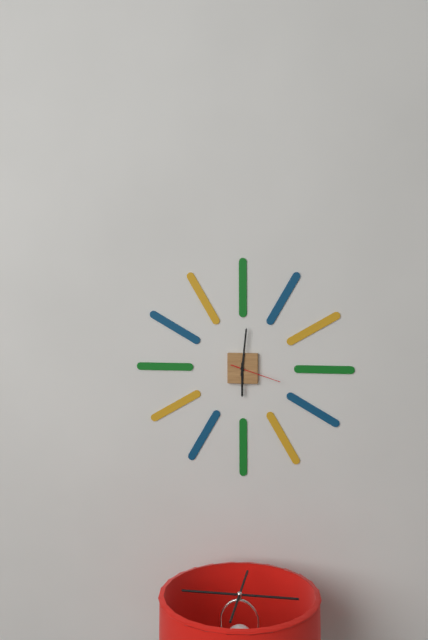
{"hour": 6, "minute": 1}
